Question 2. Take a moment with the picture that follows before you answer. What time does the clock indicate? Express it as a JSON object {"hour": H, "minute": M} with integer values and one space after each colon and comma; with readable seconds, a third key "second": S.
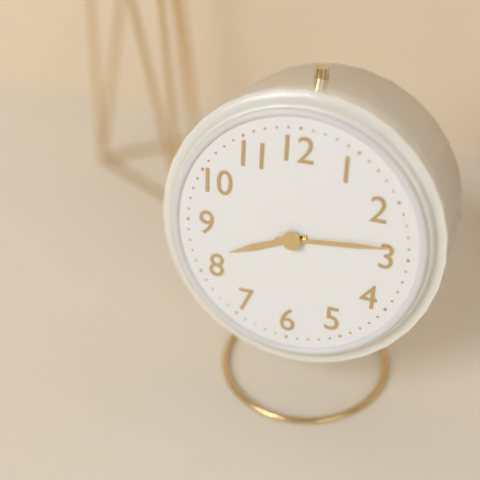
{"hour": 8, "minute": 14}
